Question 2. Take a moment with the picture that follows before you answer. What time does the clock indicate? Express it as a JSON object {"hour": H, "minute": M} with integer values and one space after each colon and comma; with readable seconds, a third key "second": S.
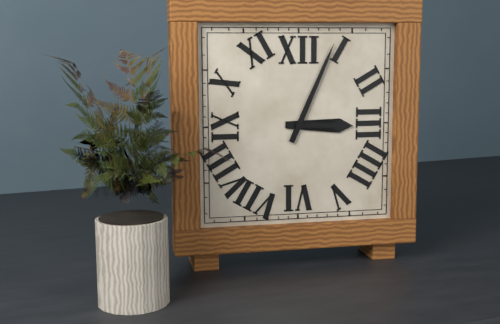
{"hour": 3, "minute": 4}
